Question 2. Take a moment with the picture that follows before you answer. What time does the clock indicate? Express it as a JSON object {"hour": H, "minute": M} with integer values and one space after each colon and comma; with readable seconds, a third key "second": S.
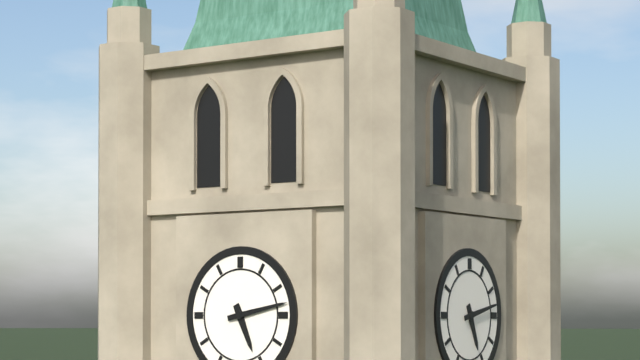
{"hour": 5, "minute": 13}
